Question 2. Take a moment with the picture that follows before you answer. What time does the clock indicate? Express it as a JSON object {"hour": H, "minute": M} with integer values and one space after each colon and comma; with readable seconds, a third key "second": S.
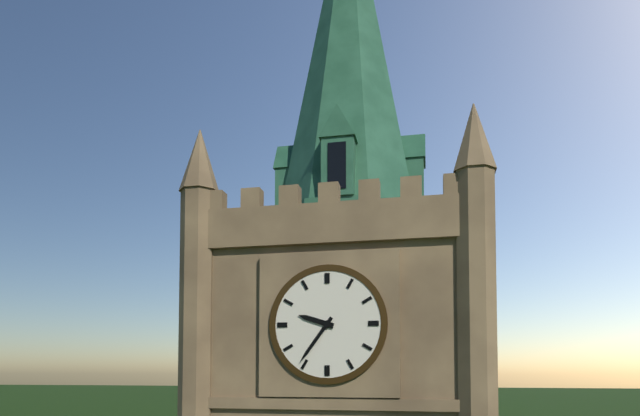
{"hour": 9, "minute": 36}
